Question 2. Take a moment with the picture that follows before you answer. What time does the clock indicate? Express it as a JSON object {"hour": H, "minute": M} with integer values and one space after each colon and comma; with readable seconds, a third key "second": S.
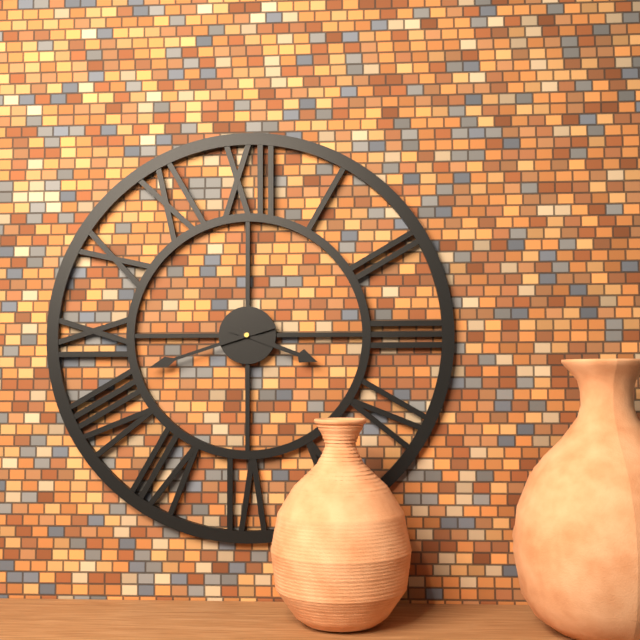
{"hour": 3, "minute": 42}
